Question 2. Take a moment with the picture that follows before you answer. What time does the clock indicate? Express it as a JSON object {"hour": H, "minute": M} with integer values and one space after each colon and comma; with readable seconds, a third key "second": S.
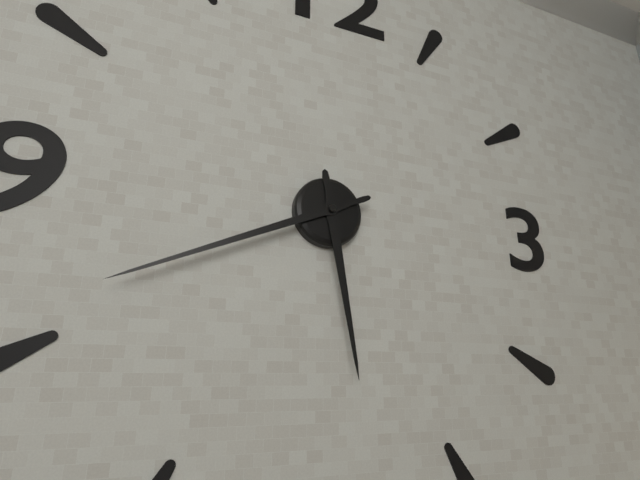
{"hour": 5, "minute": 41}
